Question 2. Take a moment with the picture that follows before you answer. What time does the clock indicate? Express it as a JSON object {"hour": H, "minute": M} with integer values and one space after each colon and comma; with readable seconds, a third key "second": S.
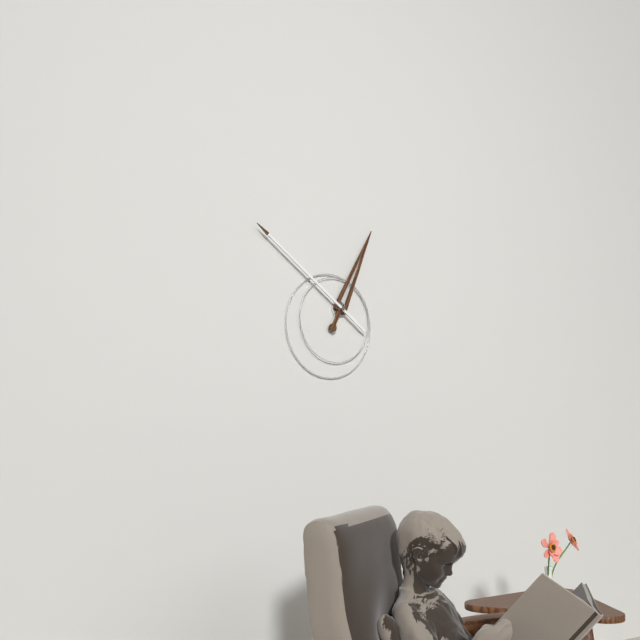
{"hour": 12, "minute": 51}
